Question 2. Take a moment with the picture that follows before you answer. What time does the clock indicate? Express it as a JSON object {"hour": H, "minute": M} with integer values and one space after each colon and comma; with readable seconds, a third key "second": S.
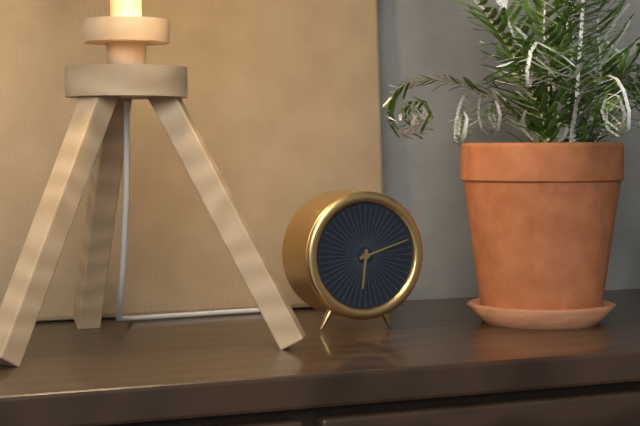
{"hour": 6, "minute": 12}
